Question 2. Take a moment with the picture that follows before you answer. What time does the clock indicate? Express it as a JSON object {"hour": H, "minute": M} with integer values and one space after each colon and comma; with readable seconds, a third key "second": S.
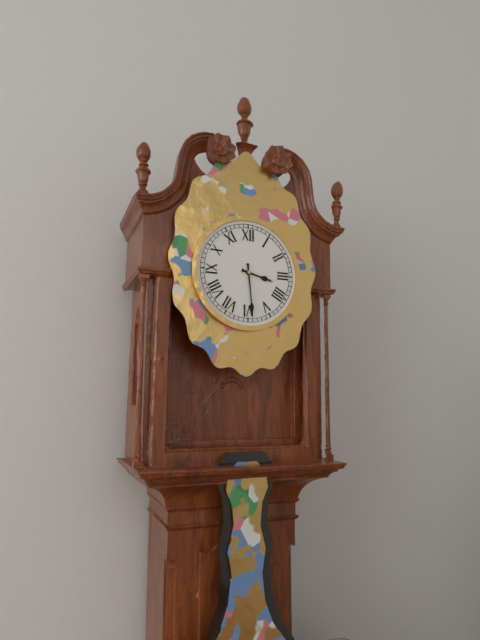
{"hour": 3, "minute": 29}
